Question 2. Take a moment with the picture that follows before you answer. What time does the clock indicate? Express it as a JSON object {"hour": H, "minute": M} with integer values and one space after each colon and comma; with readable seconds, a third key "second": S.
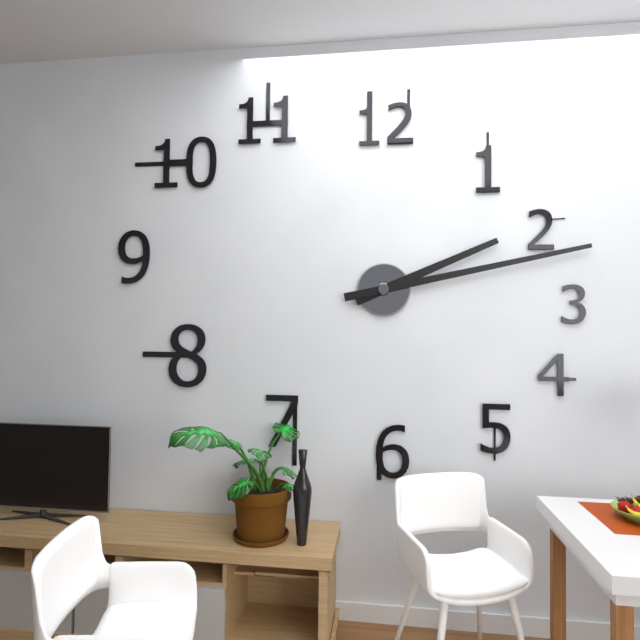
{"hour": 2, "minute": 13}
